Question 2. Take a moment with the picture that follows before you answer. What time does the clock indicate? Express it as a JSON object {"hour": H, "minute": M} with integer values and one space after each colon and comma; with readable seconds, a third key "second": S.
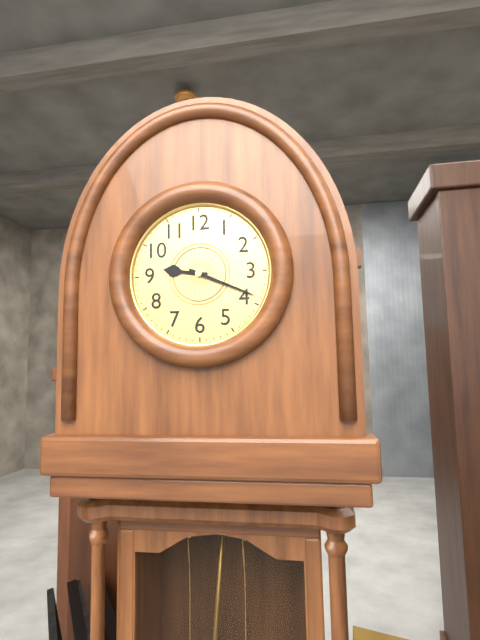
{"hour": 9, "minute": 19}
